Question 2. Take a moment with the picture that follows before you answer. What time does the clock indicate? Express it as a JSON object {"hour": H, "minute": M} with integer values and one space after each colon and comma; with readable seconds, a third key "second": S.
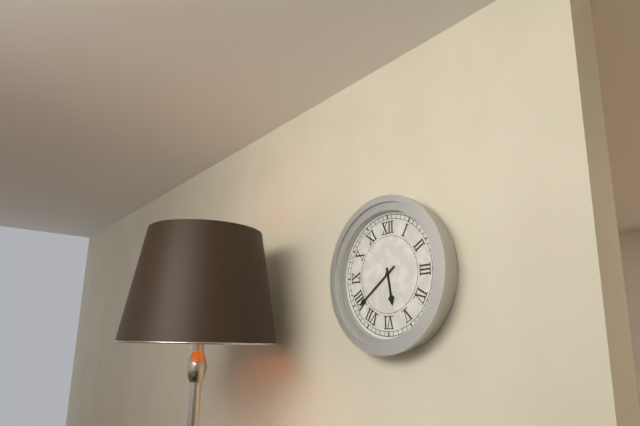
{"hour": 5, "minute": 39}
